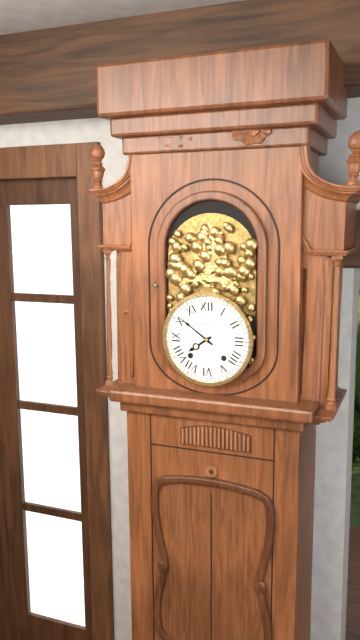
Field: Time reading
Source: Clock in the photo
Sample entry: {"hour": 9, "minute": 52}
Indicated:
{"hour": 7, "minute": 51}
